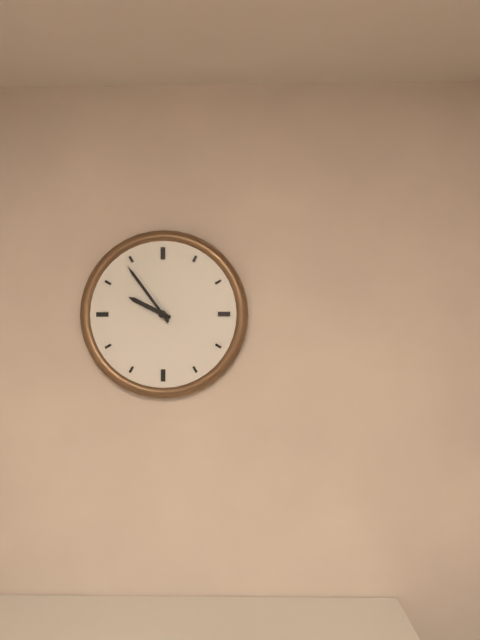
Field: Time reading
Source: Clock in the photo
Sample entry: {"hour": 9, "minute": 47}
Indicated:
{"hour": 9, "minute": 54}
